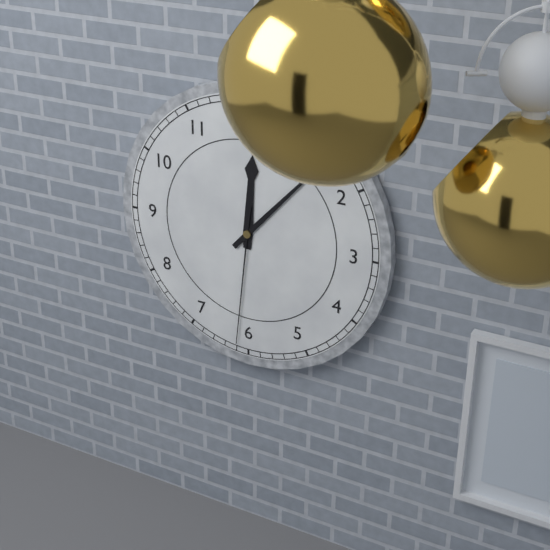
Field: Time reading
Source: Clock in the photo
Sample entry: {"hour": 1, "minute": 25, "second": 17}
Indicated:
{"hour": 12, "minute": 7, "second": 31}
